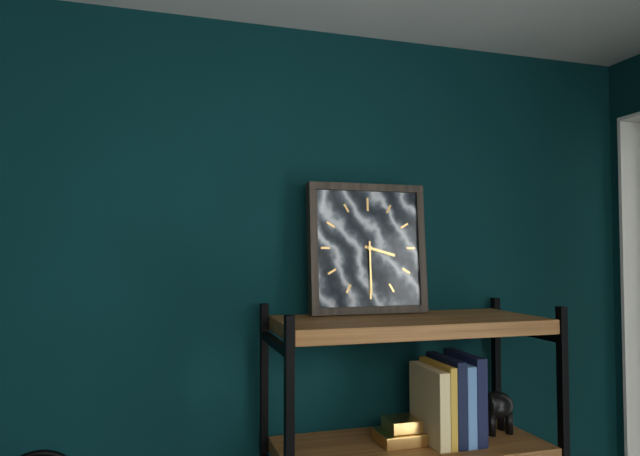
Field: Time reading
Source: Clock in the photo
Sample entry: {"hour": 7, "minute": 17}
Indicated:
{"hour": 3, "minute": 30}
